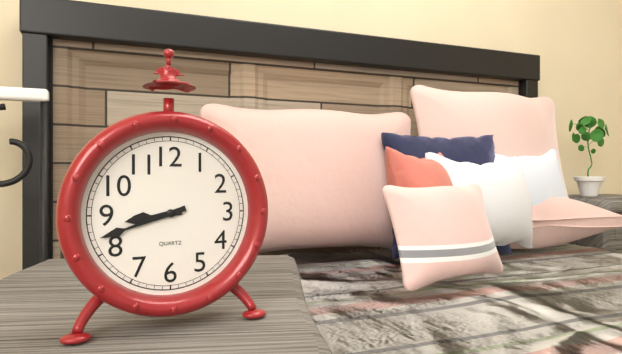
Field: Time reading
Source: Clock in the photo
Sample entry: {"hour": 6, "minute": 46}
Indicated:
{"hour": 8, "minute": 42}
